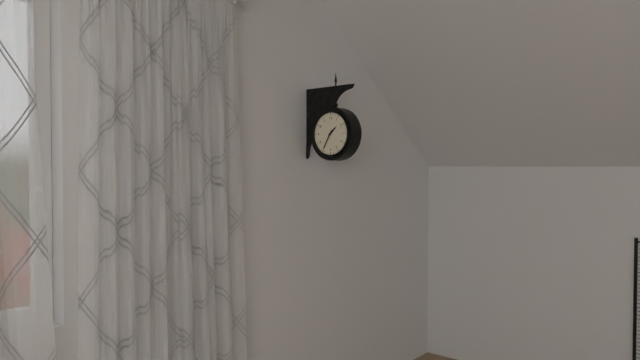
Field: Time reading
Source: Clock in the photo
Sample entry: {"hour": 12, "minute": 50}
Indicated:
{"hour": 1, "minute": 35}
